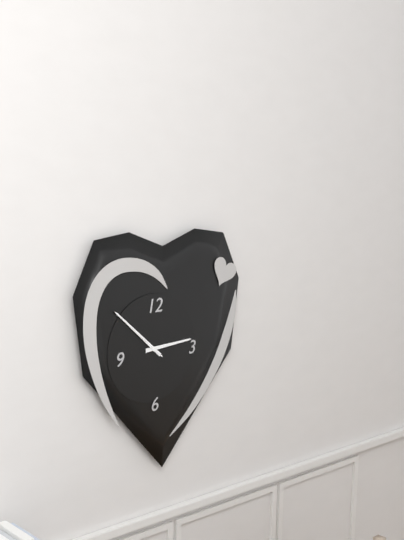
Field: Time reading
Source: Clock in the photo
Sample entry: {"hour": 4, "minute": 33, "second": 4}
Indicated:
{"hour": 2, "minute": 52, "second": 52}
